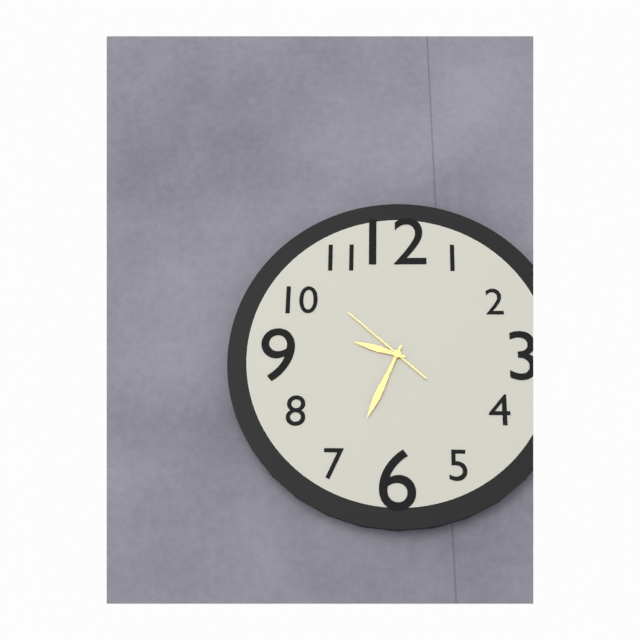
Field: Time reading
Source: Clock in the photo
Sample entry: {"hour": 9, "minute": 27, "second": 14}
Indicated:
{"hour": 9, "minute": 34, "second": 52}
